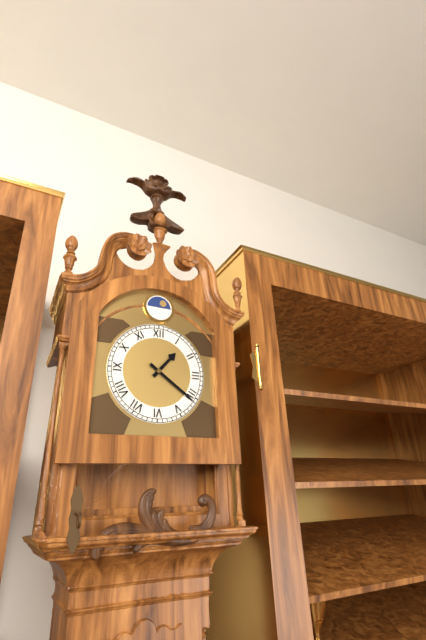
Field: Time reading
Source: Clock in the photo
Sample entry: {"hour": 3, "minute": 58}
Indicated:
{"hour": 1, "minute": 21}
